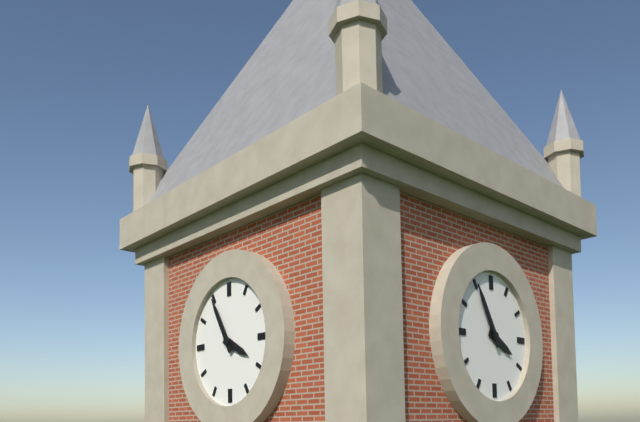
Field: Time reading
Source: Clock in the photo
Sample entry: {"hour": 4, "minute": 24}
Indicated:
{"hour": 3, "minute": 55}
